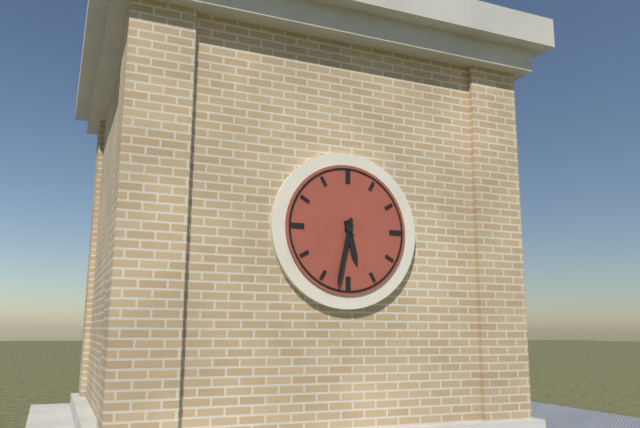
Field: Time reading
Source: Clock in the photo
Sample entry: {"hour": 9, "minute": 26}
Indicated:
{"hour": 5, "minute": 32}
